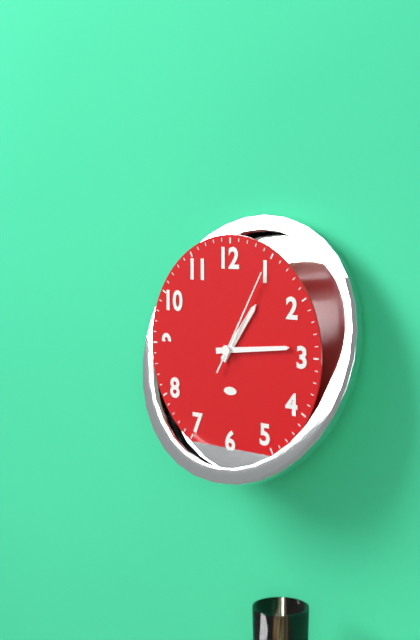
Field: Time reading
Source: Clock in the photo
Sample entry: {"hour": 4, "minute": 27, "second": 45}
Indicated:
{"hour": 1, "minute": 14, "second": 5}
